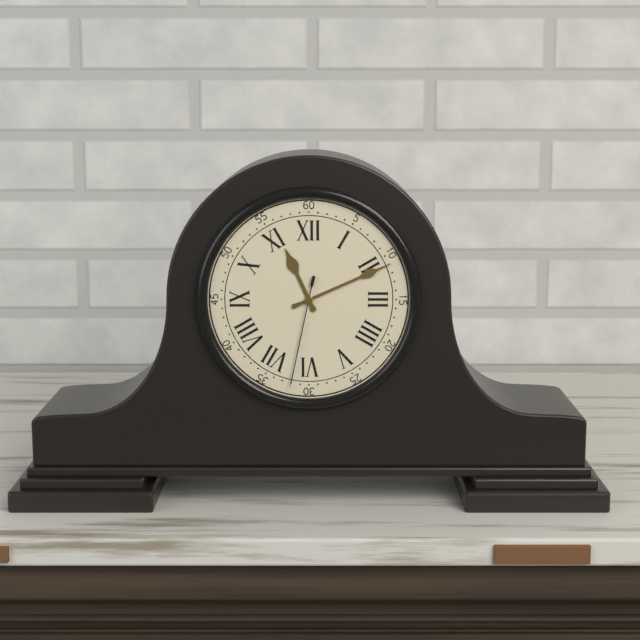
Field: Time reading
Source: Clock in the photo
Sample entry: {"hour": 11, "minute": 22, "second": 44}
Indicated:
{"hour": 11, "minute": 11, "second": 32}
